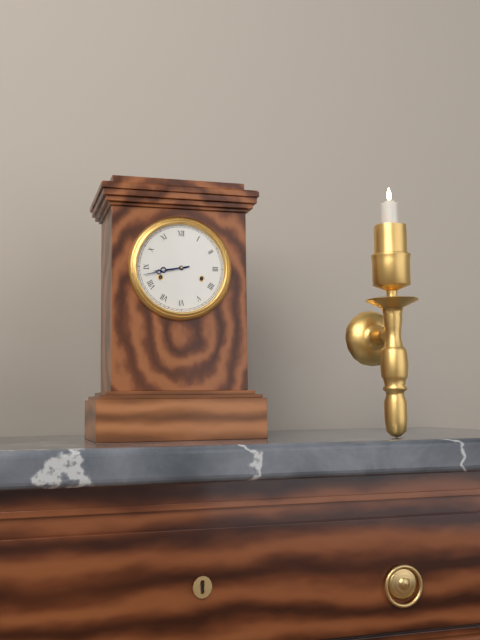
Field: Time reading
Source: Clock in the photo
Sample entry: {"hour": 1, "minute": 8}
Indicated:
{"hour": 8, "minute": 43}
